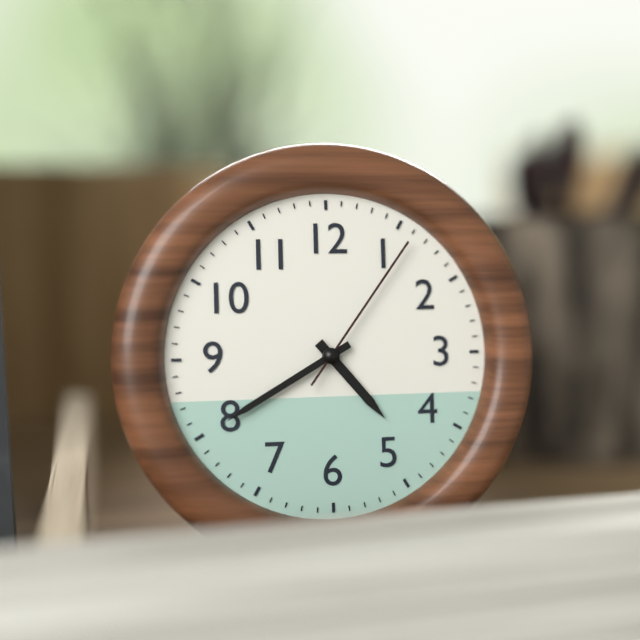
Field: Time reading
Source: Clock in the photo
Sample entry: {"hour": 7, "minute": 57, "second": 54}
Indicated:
{"hour": 4, "minute": 40, "second": 6}
